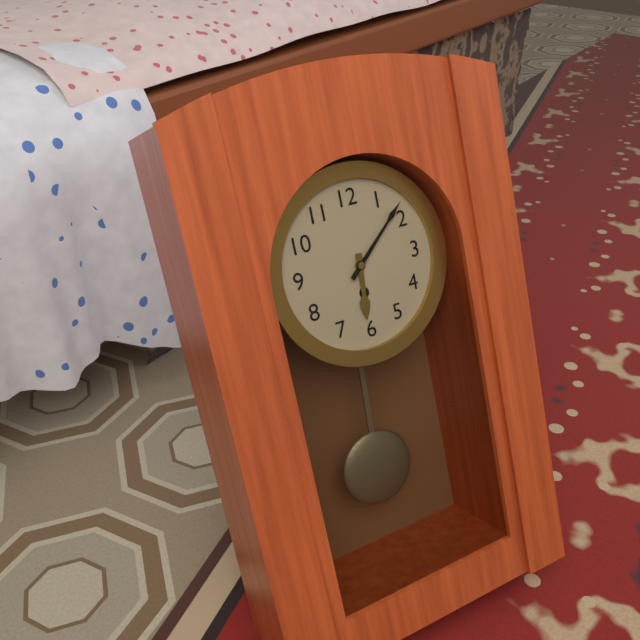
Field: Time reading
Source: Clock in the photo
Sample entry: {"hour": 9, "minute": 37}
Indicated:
{"hour": 6, "minute": 8}
